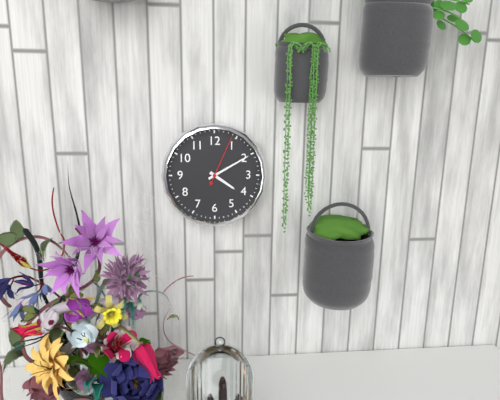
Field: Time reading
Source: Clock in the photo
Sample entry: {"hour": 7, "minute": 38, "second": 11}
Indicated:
{"hour": 4, "minute": 10, "second": 4}
